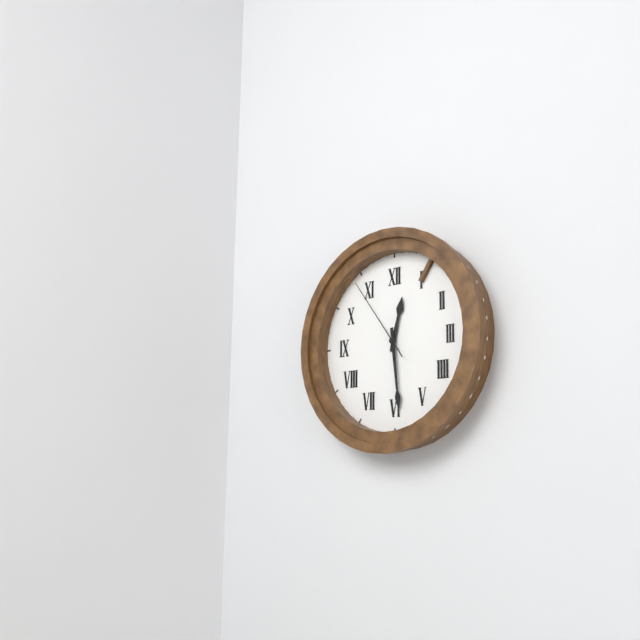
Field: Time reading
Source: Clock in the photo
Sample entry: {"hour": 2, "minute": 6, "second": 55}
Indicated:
{"hour": 12, "minute": 29, "second": 54}
